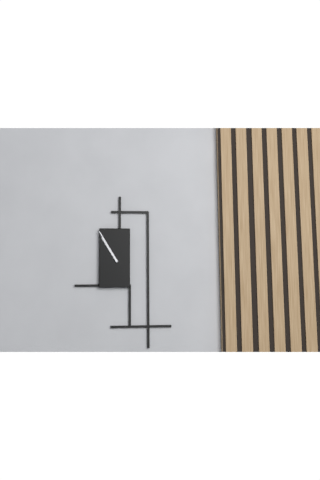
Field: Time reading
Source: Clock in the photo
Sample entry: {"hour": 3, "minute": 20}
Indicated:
{"hour": 10, "minute": 55}
